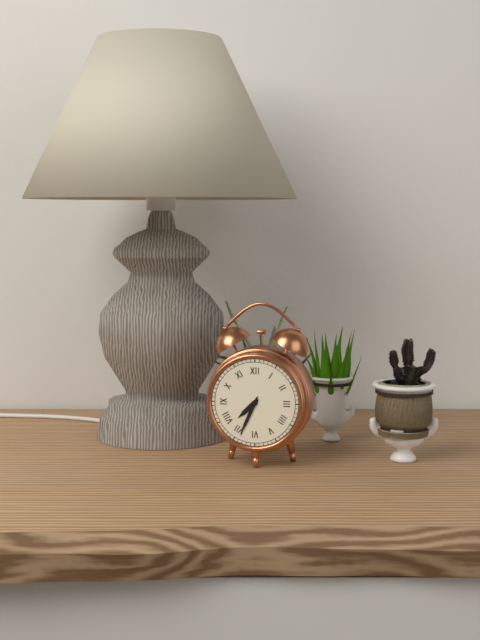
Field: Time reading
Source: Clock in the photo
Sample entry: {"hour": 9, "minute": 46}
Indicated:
{"hour": 7, "minute": 34}
